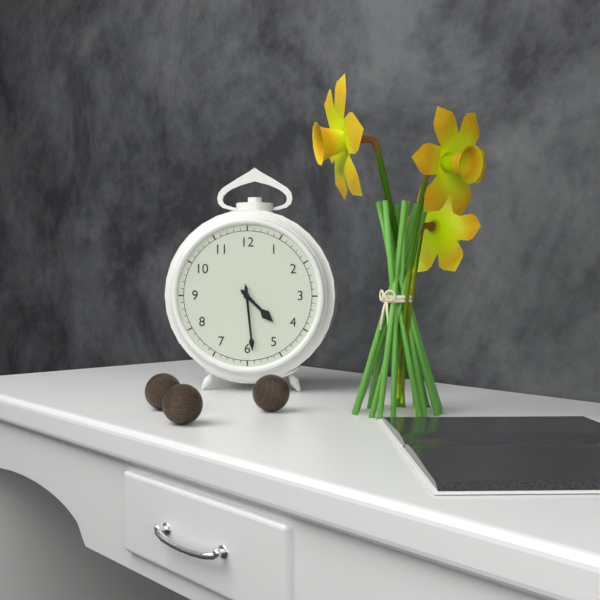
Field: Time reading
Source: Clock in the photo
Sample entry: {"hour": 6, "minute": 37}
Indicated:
{"hour": 4, "minute": 29}
